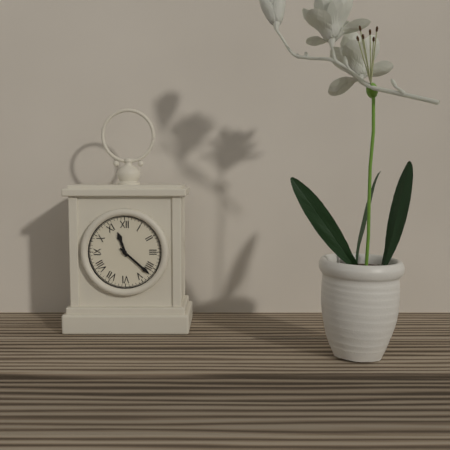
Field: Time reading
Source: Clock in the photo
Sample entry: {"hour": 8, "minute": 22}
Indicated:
{"hour": 11, "minute": 22}
